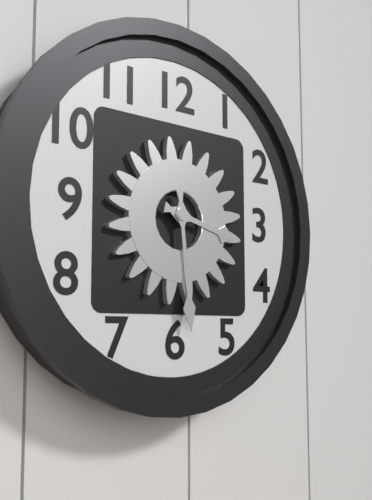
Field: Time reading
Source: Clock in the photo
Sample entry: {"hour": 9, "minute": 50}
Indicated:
{"hour": 3, "minute": 29}
